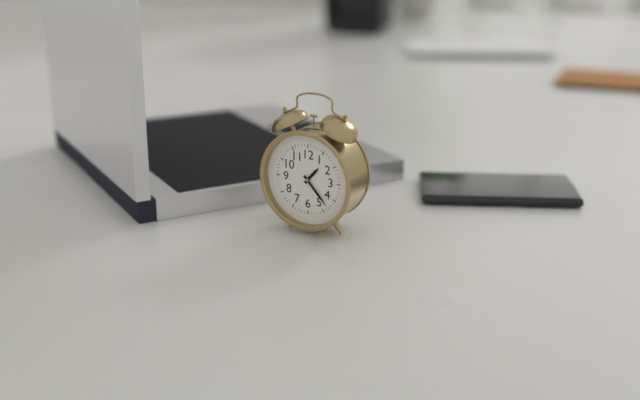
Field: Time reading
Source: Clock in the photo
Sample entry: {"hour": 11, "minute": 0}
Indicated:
{"hour": 1, "minute": 23}
